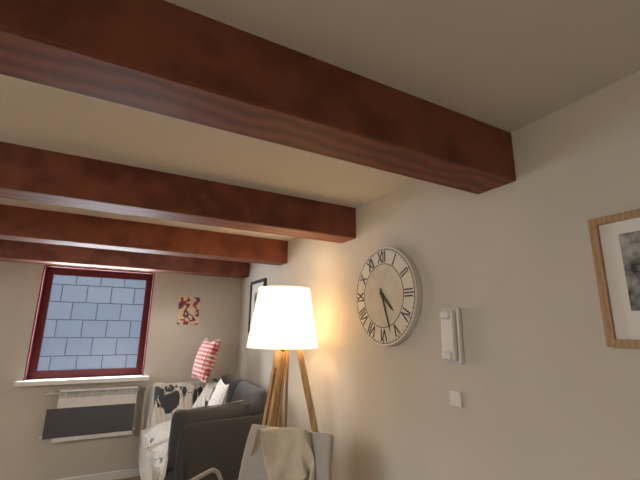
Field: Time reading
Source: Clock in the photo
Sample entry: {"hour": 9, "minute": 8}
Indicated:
{"hour": 4, "minute": 27}
